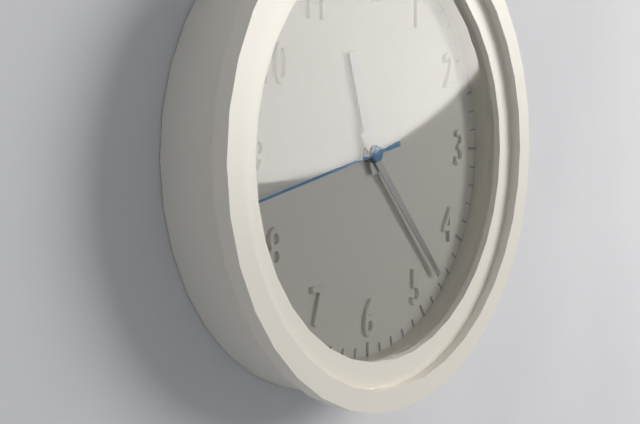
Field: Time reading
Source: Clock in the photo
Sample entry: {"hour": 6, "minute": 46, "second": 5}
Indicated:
{"hour": 11, "minute": 23, "second": 43}
